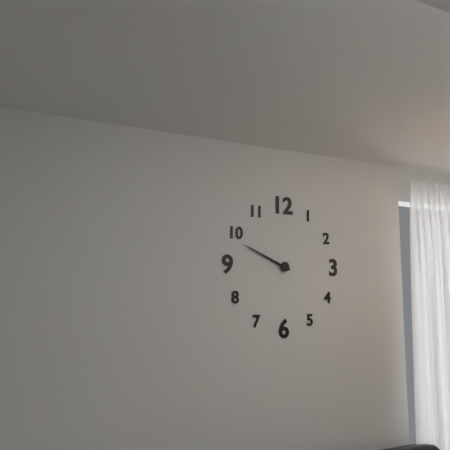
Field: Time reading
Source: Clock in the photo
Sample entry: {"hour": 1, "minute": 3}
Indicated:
{"hour": 9, "minute": 49}
